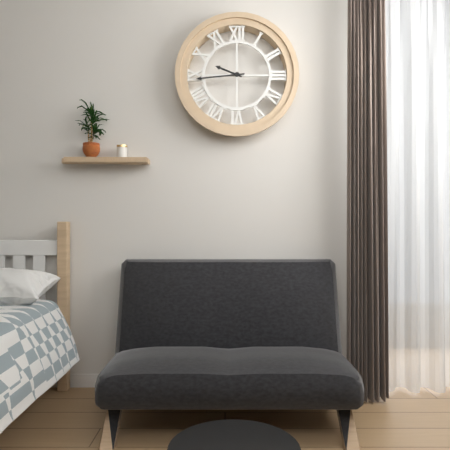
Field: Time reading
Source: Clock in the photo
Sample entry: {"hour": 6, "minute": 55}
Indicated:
{"hour": 9, "minute": 44}
